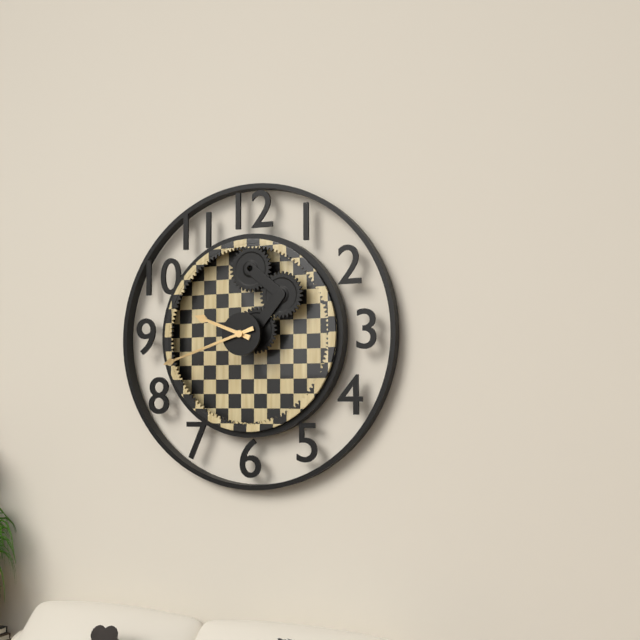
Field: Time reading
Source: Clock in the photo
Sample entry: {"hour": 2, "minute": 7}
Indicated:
{"hour": 9, "minute": 42}
